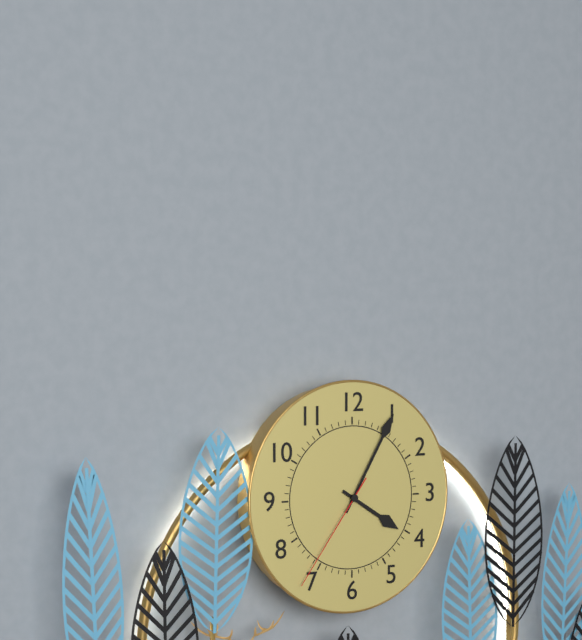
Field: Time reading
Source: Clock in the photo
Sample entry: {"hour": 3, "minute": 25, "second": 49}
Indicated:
{"hour": 4, "minute": 5, "second": 36}
